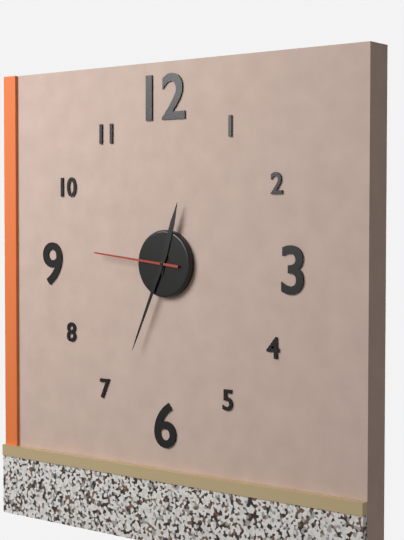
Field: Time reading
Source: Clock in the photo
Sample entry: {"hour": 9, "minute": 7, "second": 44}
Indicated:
{"hour": 12, "minute": 34, "second": 46}
